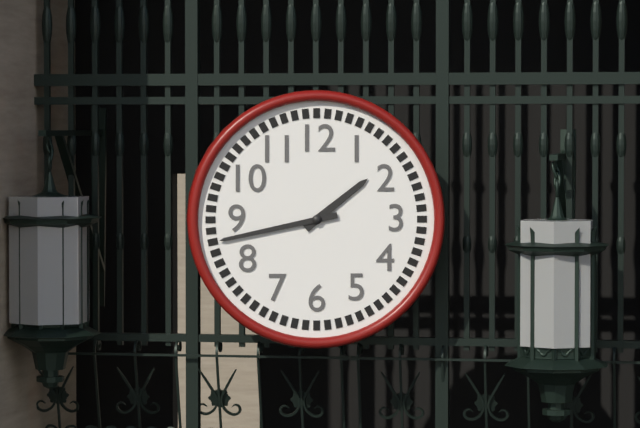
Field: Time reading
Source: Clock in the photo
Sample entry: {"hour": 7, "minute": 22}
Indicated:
{"hour": 1, "minute": 43}
